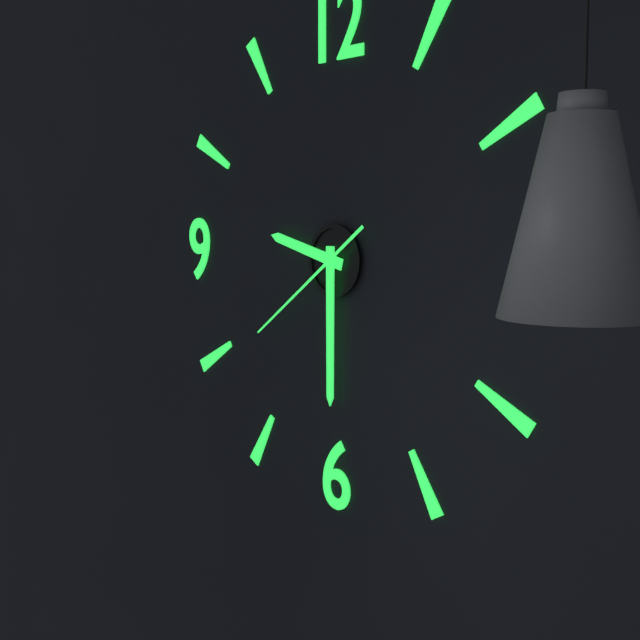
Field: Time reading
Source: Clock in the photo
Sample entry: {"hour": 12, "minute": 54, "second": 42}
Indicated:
{"hour": 9, "minute": 30, "second": 39}
